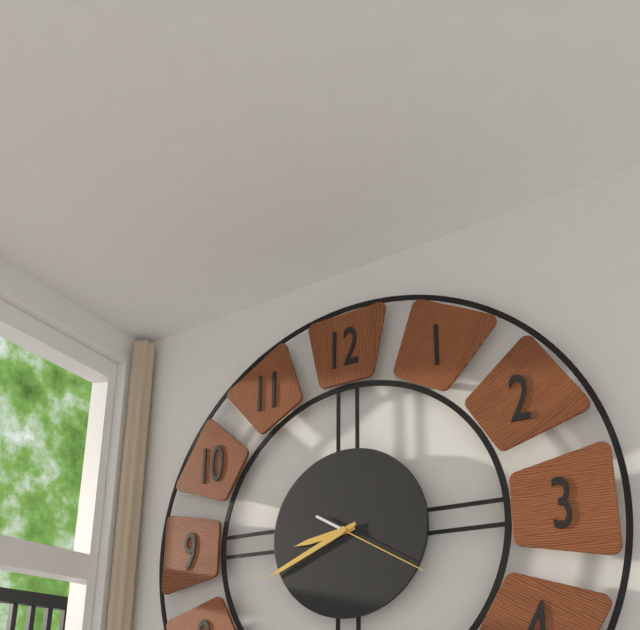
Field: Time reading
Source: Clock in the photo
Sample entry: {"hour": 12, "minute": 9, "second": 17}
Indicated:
{"hour": 8, "minute": 41, "second": 20}
